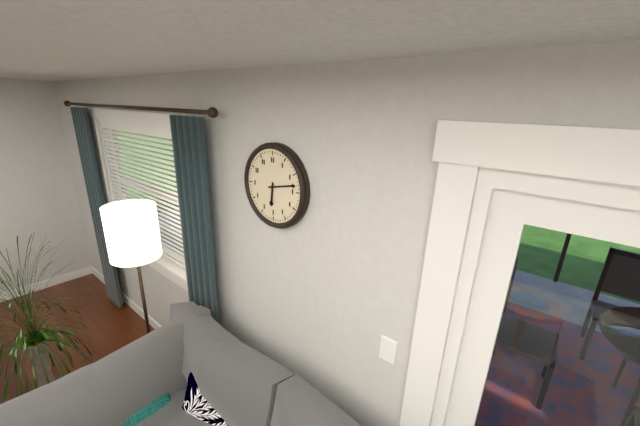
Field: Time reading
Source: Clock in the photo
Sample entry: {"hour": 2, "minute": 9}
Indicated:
{"hour": 6, "minute": 13}
